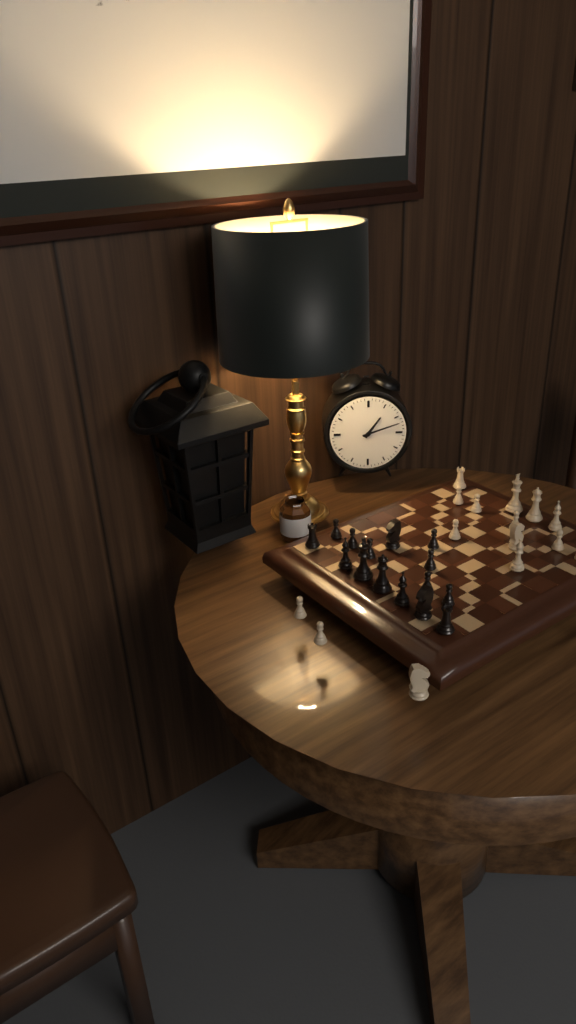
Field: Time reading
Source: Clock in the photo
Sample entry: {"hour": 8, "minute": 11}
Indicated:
{"hour": 1, "minute": 12}
